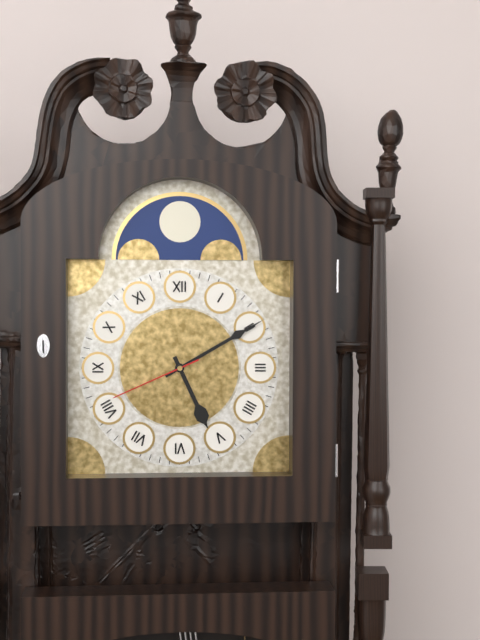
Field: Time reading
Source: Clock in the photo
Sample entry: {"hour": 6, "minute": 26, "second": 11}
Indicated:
{"hour": 5, "minute": 10, "second": 41}
